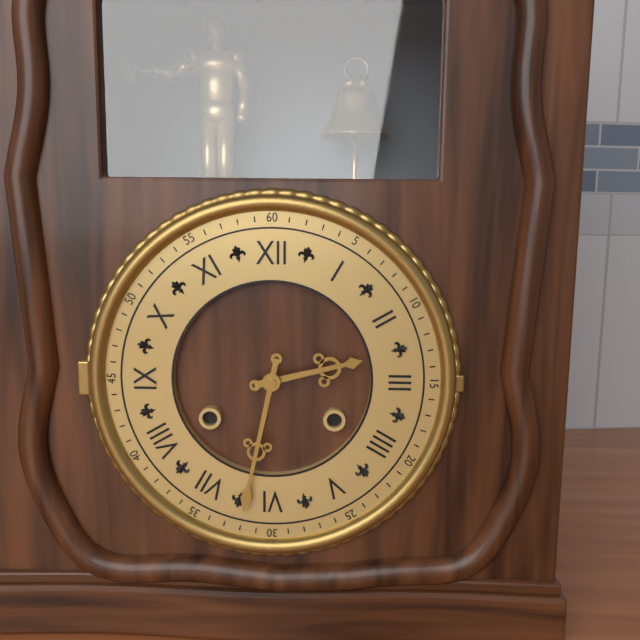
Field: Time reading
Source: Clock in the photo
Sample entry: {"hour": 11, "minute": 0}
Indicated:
{"hour": 2, "minute": 32}
